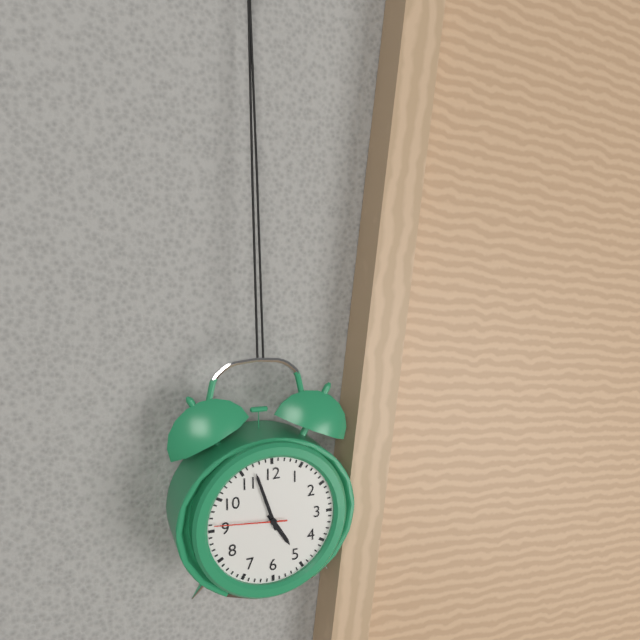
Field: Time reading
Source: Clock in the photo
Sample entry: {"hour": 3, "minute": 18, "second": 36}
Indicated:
{"hour": 4, "minute": 57, "second": 46}
